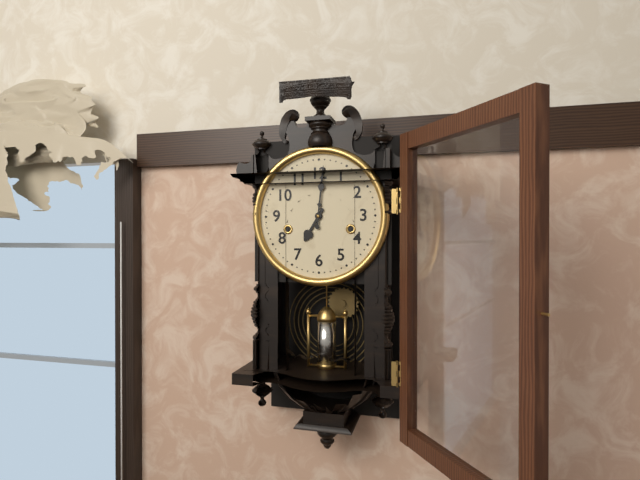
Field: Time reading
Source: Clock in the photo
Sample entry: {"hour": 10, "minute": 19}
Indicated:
{"hour": 7, "minute": 1}
